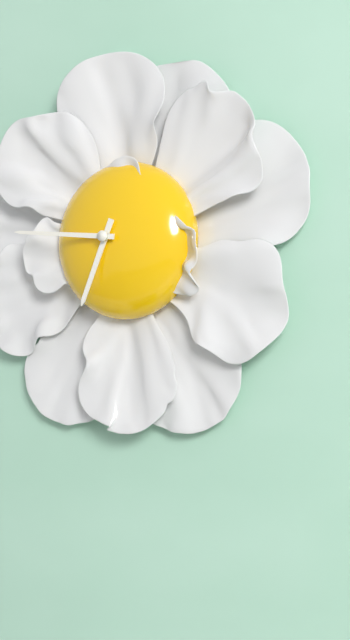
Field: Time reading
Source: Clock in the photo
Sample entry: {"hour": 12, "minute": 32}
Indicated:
{"hour": 6, "minute": 46}
